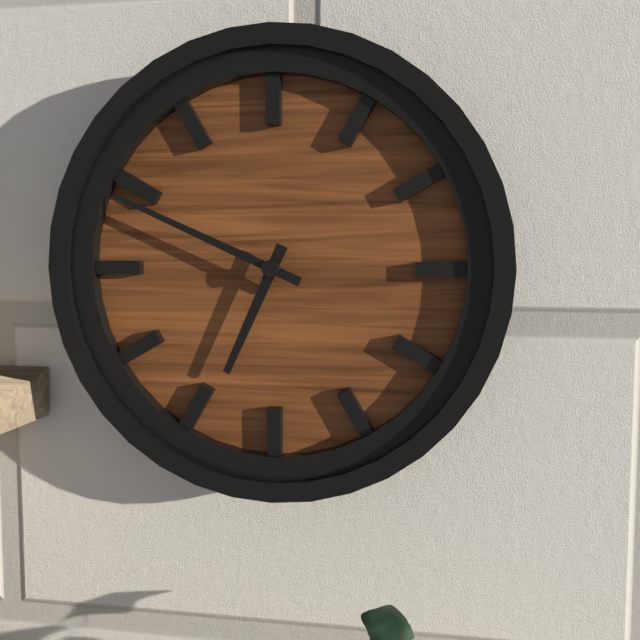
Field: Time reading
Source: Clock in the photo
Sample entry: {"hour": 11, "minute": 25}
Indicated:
{"hour": 6, "minute": 49}
